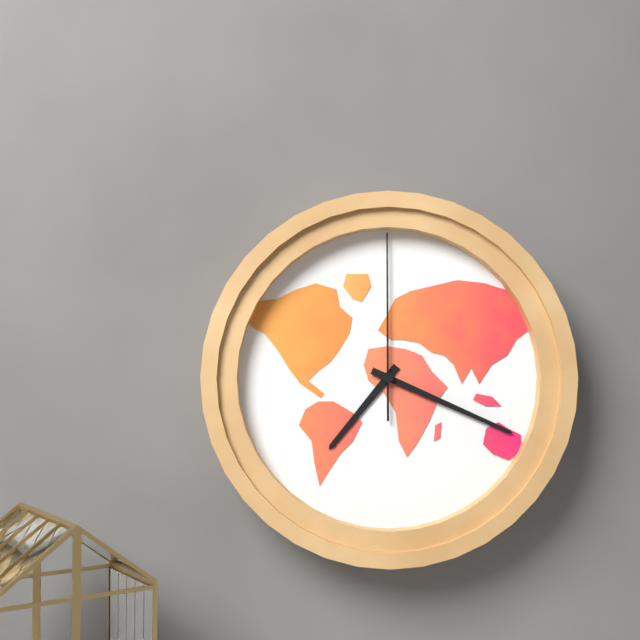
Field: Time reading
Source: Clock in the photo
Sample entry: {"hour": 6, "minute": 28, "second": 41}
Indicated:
{"hour": 7, "minute": 19, "second": 0}
